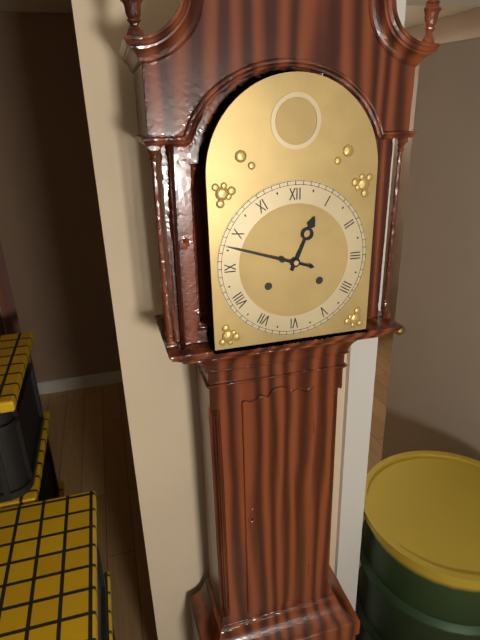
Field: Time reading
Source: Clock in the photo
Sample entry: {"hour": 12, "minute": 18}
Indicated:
{"hour": 12, "minute": 48}
